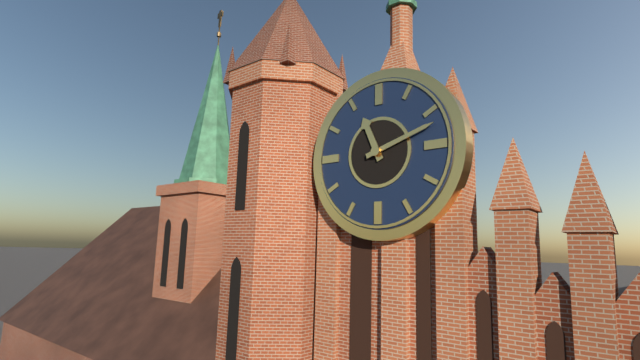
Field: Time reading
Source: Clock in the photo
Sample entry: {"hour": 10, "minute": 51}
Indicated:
{"hour": 11, "minute": 12}
